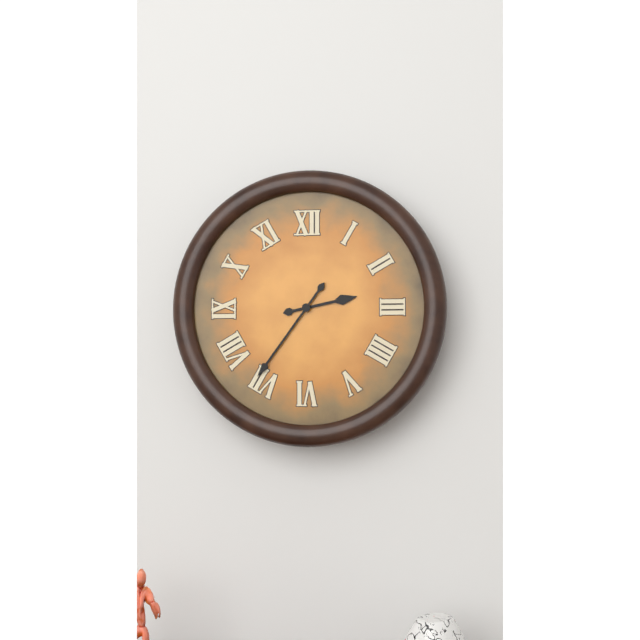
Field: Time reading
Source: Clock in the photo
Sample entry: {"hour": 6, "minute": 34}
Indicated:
{"hour": 2, "minute": 36}
